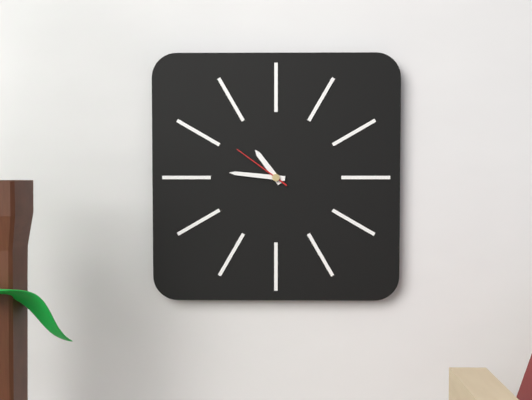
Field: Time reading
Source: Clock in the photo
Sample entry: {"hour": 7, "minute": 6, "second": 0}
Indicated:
{"hour": 10, "minute": 46, "second": 51}
